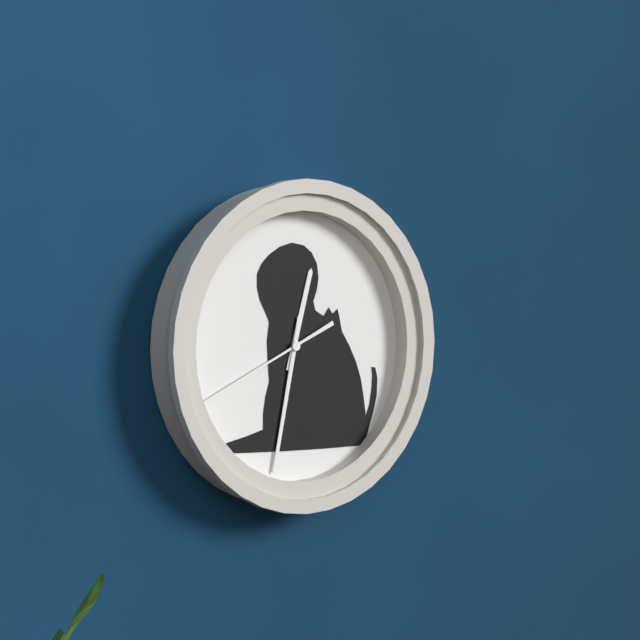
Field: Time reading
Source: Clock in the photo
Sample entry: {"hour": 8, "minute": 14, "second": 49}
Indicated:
{"hour": 12, "minute": 32, "second": 41}
